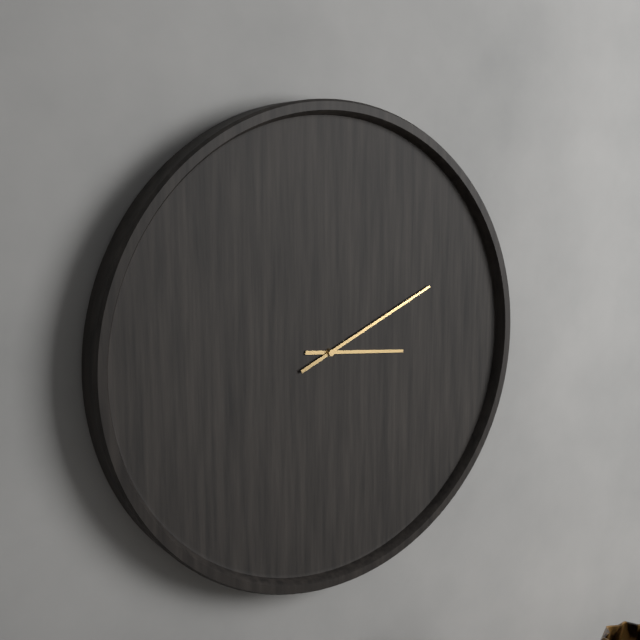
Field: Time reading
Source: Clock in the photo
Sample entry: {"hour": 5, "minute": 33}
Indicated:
{"hour": 3, "minute": 11}
